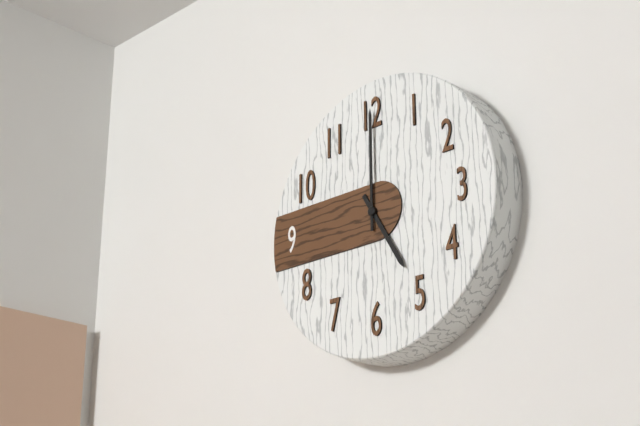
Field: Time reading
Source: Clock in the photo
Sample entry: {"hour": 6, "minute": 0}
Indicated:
{"hour": 5, "minute": 0}
